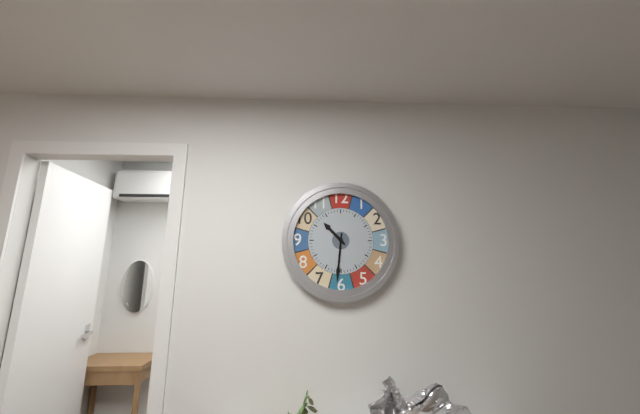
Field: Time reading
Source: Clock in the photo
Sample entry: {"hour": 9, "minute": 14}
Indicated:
{"hour": 10, "minute": 31}
